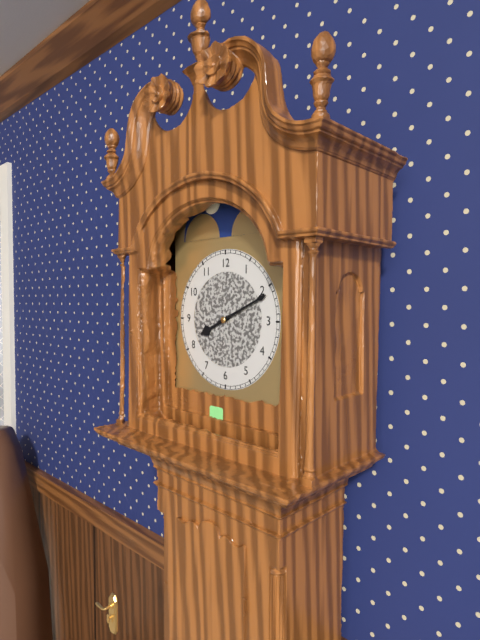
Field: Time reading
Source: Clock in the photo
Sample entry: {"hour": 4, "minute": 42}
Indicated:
{"hour": 8, "minute": 11}
